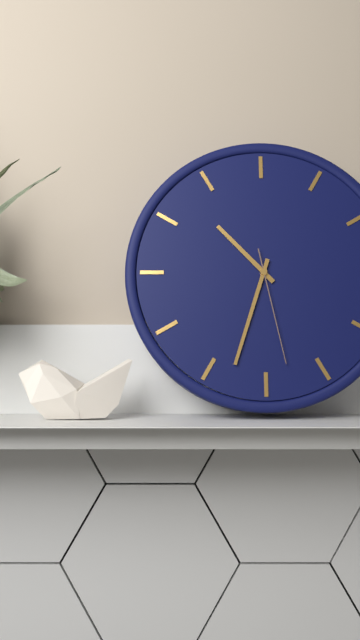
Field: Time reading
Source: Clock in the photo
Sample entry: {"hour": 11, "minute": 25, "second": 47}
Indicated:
{"hour": 10, "minute": 33, "second": 28}
